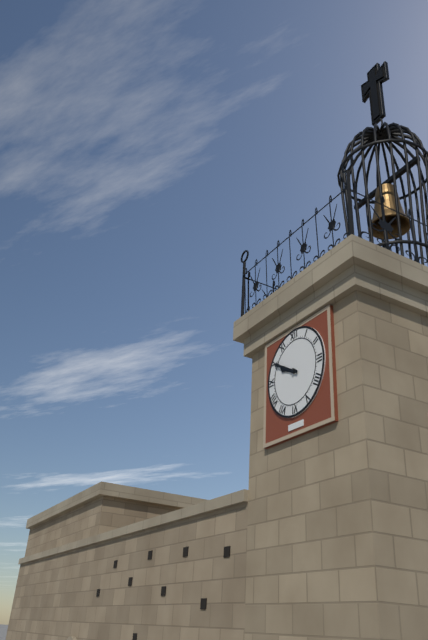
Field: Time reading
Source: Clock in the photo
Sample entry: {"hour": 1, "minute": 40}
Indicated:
{"hour": 9, "minute": 50}
